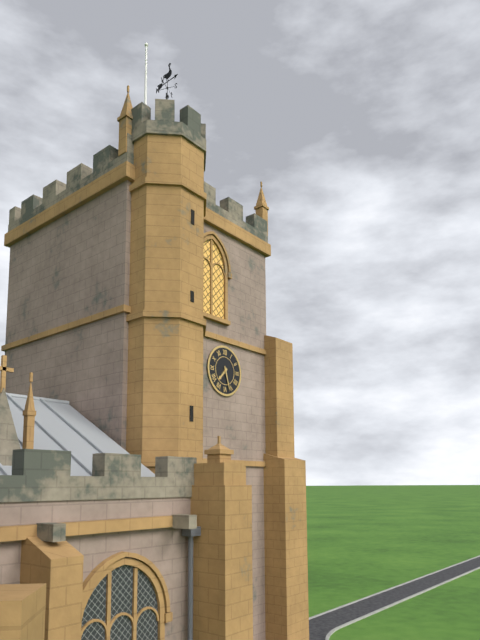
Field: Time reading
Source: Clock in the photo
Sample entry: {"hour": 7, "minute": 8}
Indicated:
{"hour": 7, "minute": 27}
